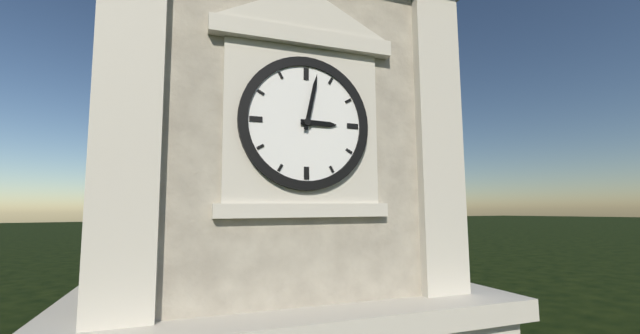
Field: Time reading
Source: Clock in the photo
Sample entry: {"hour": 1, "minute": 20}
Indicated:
{"hour": 3, "minute": 2}
